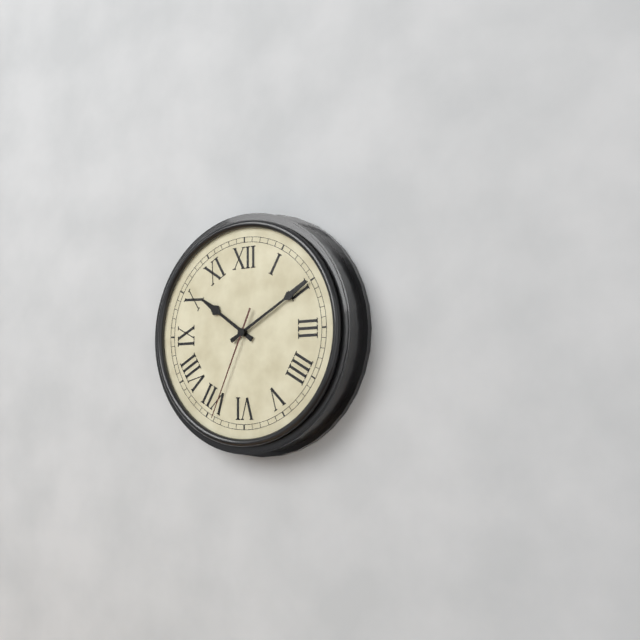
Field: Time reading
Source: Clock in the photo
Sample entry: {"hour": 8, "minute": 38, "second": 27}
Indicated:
{"hour": 10, "minute": 10, "second": 34}
